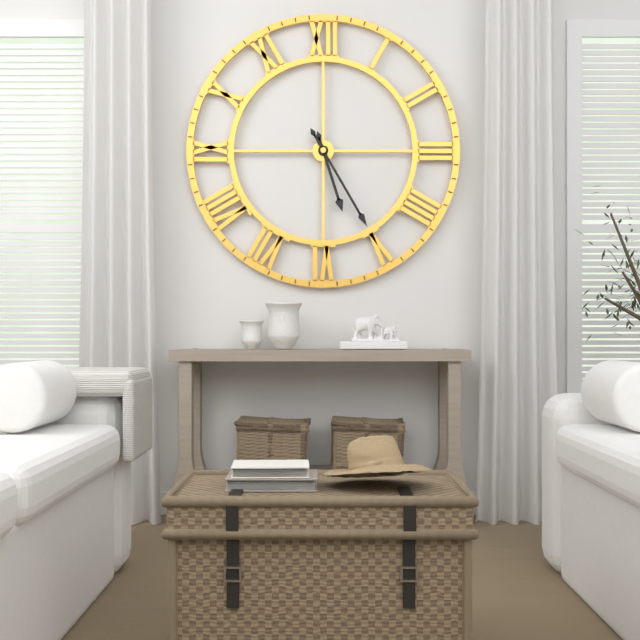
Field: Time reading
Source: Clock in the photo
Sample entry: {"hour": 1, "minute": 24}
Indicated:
{"hour": 5, "minute": 25}
